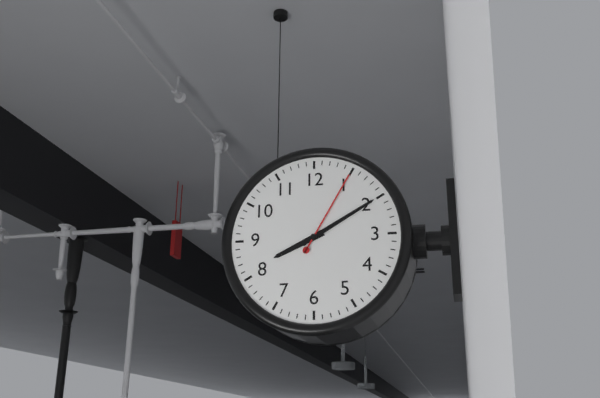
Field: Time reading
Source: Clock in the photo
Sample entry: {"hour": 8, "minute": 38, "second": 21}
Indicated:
{"hour": 8, "minute": 10, "second": 5}
